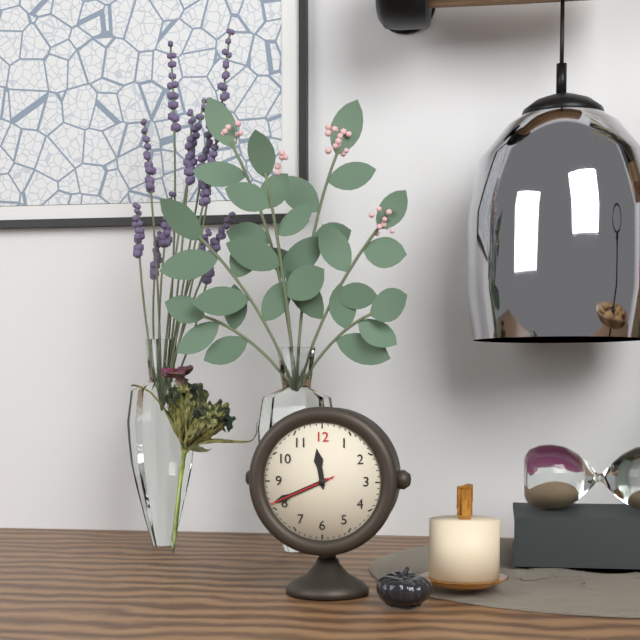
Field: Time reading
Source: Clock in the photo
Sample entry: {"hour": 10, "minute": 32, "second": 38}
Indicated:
{"hour": 11, "minute": 41, "second": 41}
